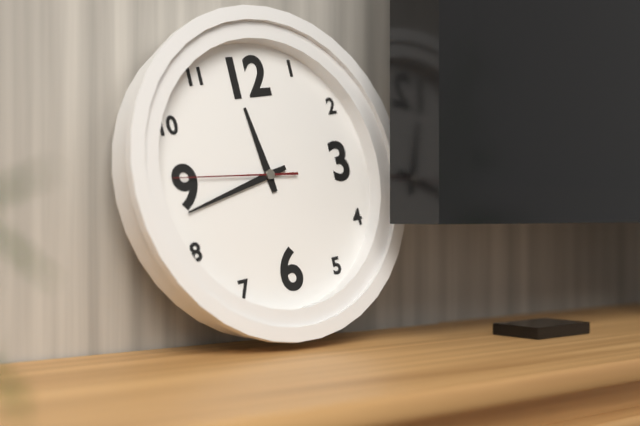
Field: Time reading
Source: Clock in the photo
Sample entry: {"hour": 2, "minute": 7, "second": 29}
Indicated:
{"hour": 11, "minute": 43, "second": 46}
